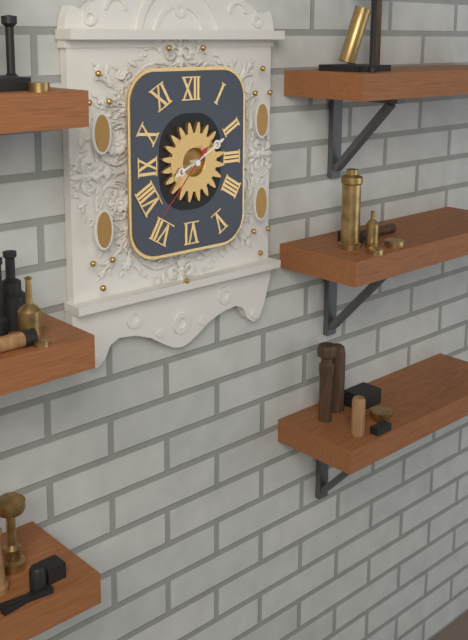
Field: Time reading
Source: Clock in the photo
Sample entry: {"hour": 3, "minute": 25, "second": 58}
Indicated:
{"hour": 8, "minute": 10, "second": 37}
